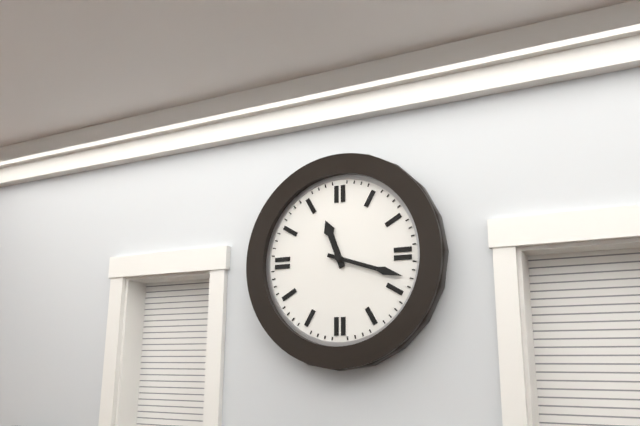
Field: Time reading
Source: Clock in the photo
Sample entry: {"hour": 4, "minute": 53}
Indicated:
{"hour": 11, "minute": 18}
